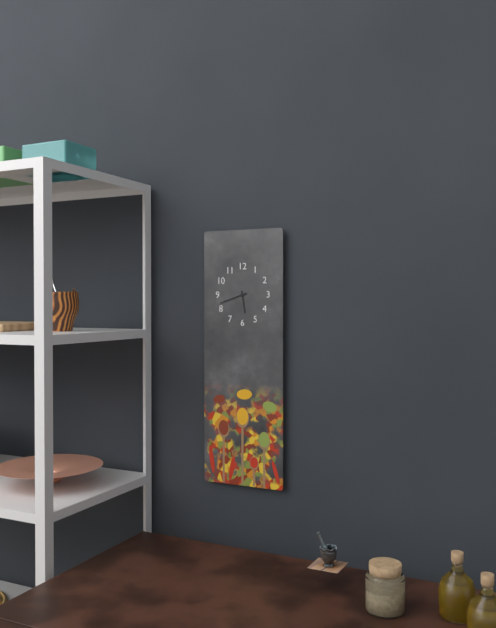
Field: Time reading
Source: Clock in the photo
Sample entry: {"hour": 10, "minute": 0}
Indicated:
{"hour": 5, "minute": 42}
